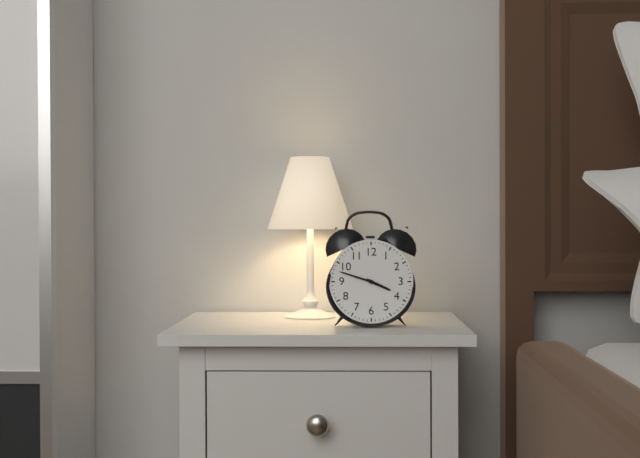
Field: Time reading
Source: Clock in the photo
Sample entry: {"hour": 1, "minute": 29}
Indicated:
{"hour": 3, "minute": 48}
